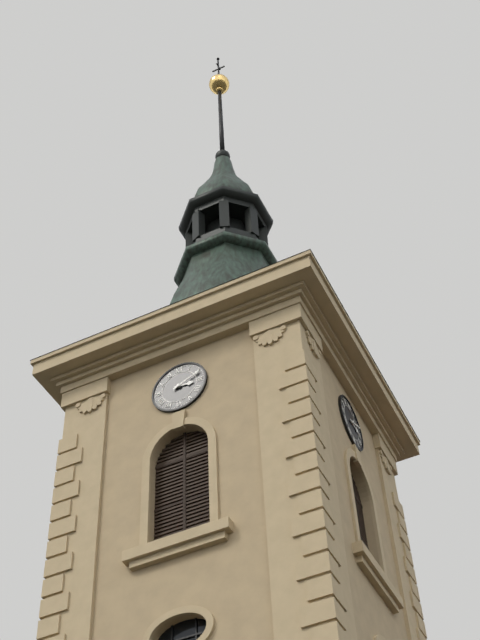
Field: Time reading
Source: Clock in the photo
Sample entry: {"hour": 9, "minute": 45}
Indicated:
{"hour": 3, "minute": 11}
